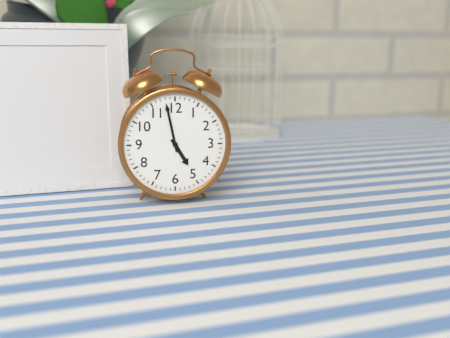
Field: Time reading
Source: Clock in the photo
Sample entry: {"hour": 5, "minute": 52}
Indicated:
{"hour": 4, "minute": 58}
